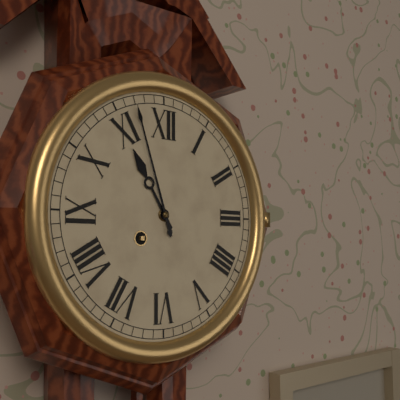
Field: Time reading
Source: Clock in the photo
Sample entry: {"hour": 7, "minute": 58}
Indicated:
{"hour": 10, "minute": 57}
